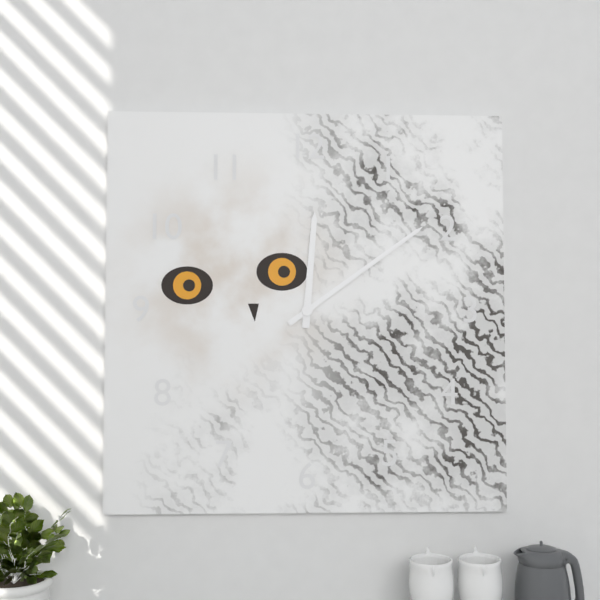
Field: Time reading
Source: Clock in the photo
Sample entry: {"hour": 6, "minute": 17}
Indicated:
{"hour": 12, "minute": 9}
